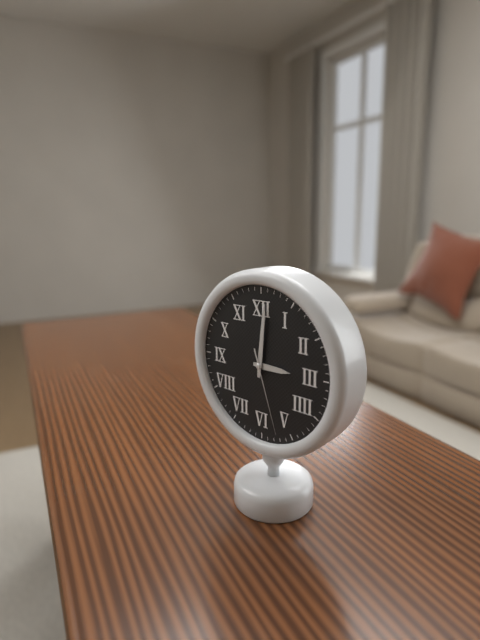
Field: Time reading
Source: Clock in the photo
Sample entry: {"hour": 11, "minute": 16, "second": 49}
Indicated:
{"hour": 3, "minute": 1, "second": 27}
